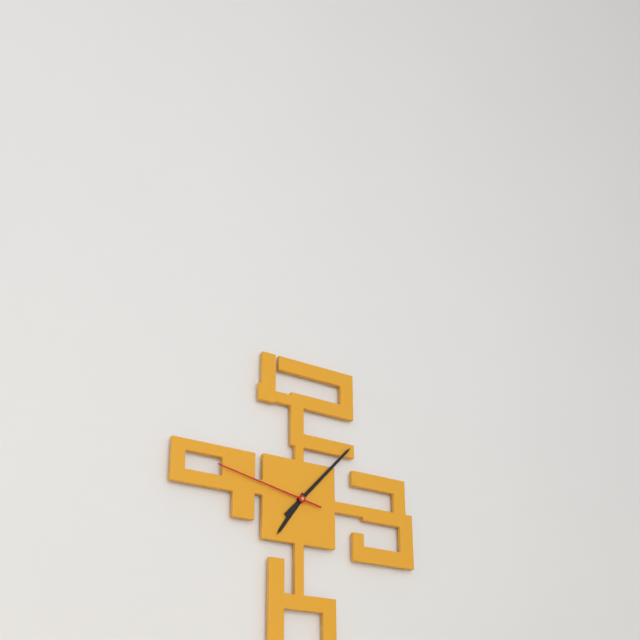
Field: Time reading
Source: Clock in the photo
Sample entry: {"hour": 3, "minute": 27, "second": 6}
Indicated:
{"hour": 7, "minute": 7, "second": 47}
